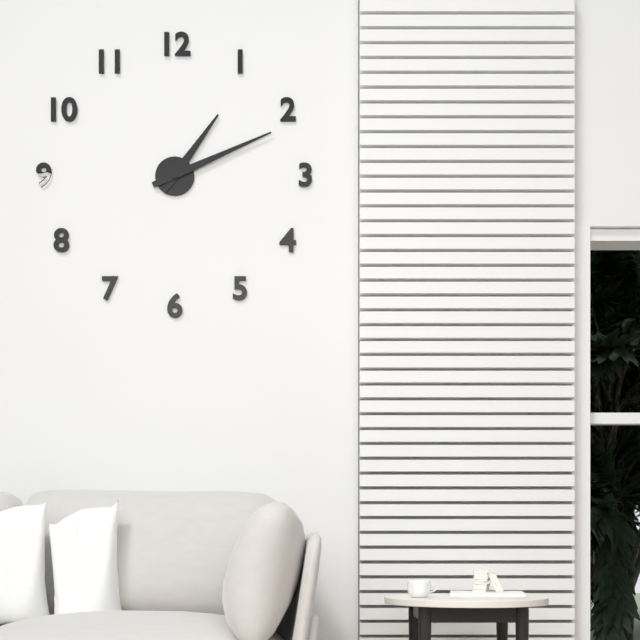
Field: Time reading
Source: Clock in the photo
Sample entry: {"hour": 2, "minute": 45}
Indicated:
{"hour": 1, "minute": 11}
